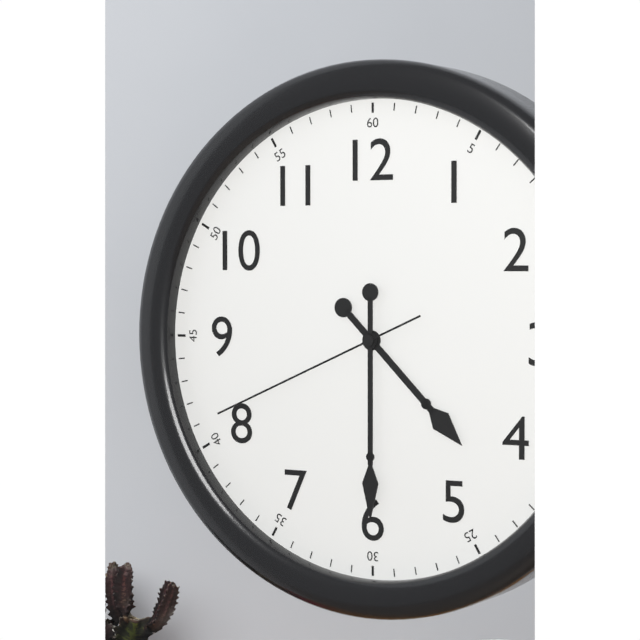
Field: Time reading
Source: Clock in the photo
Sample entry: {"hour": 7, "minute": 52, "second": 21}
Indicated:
{"hour": 4, "minute": 30, "second": 41}
